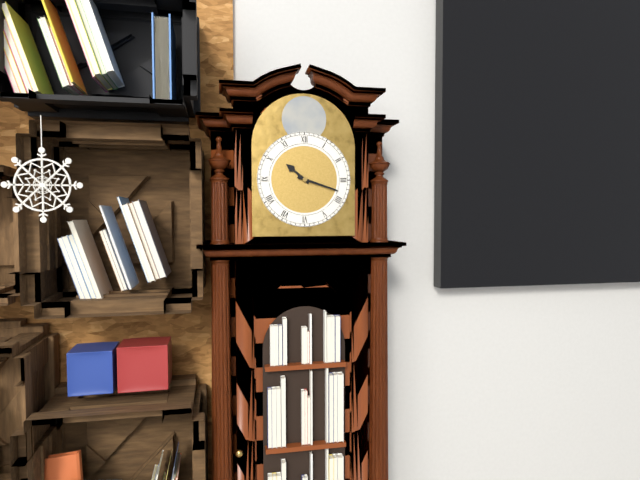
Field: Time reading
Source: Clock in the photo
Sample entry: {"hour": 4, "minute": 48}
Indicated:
{"hour": 10, "minute": 18}
